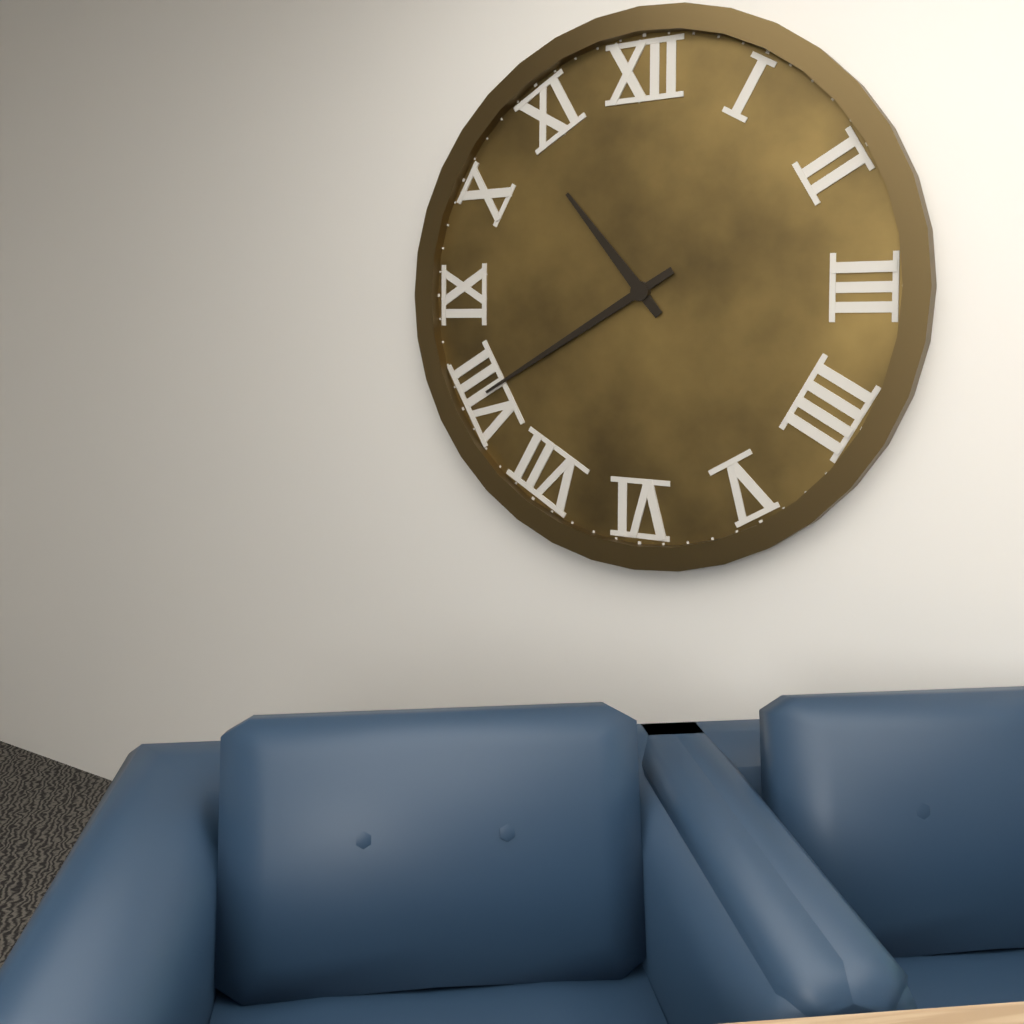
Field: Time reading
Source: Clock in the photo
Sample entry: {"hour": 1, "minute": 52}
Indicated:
{"hour": 10, "minute": 40}
